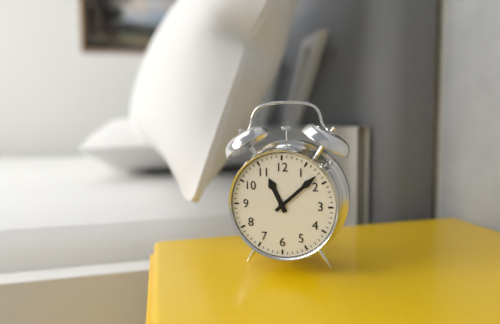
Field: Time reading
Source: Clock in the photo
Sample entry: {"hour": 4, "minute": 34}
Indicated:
{"hour": 11, "minute": 8}
